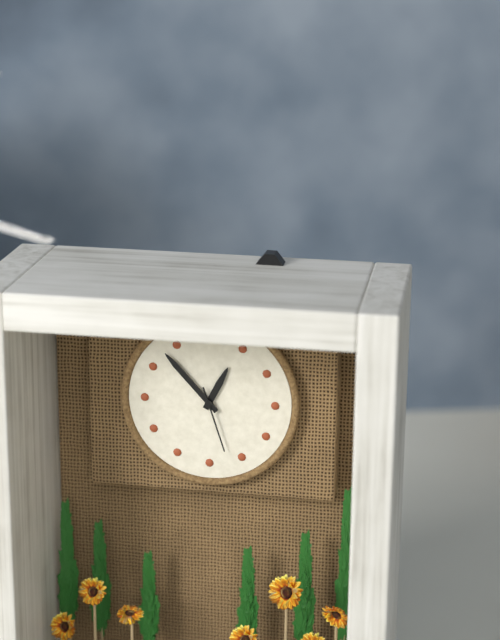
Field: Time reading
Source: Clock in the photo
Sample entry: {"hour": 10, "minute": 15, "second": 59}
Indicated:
{"hour": 12, "minute": 53, "second": 27}
